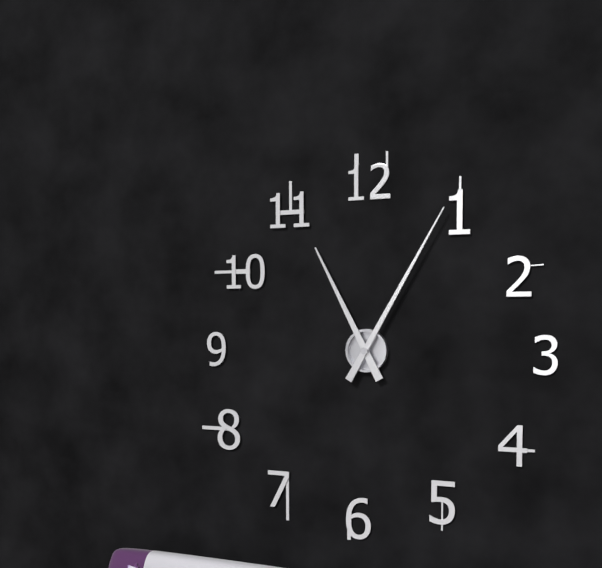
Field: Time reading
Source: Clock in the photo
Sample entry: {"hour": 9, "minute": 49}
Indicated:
{"hour": 11, "minute": 5}
